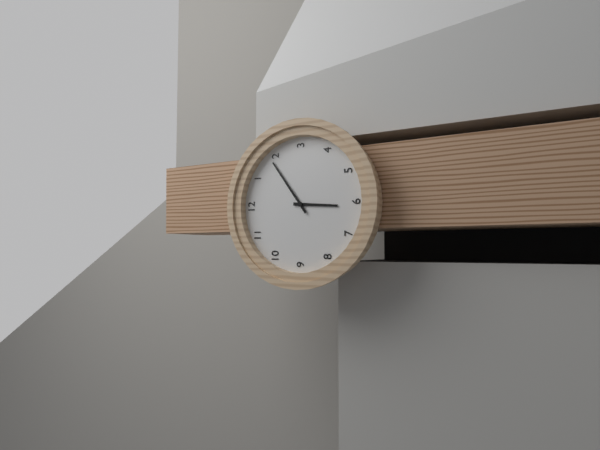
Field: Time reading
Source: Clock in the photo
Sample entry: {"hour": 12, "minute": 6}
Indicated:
{"hour": 6, "minute": 9}
